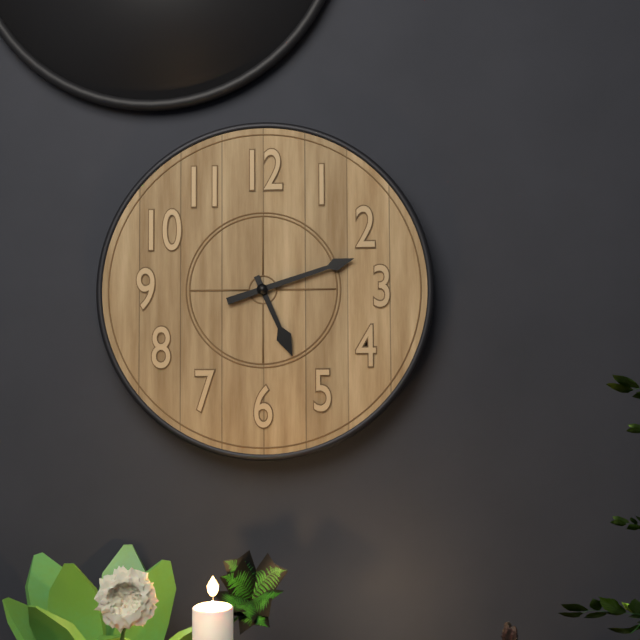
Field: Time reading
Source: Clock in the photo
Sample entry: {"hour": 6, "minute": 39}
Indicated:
{"hour": 5, "minute": 12}
